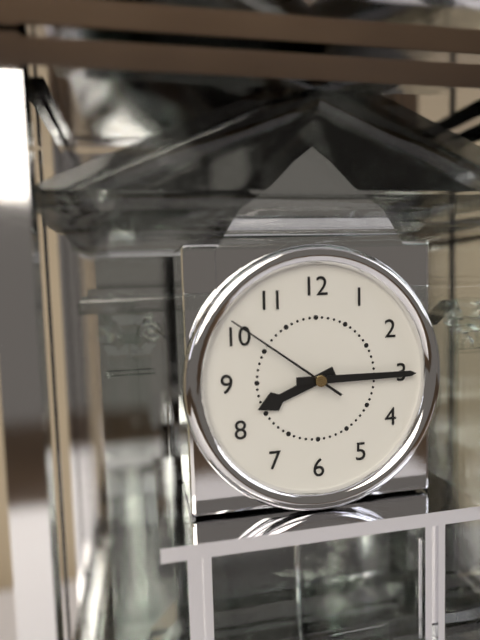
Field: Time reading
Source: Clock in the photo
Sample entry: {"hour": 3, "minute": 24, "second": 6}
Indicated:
{"hour": 8, "minute": 15, "second": 51}
